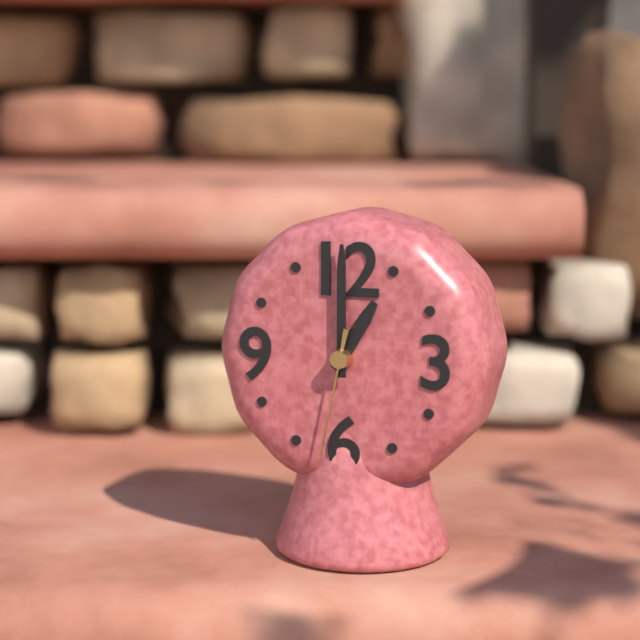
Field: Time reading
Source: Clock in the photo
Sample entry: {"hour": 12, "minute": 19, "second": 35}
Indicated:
{"hour": 1, "minute": 0, "second": 32}
